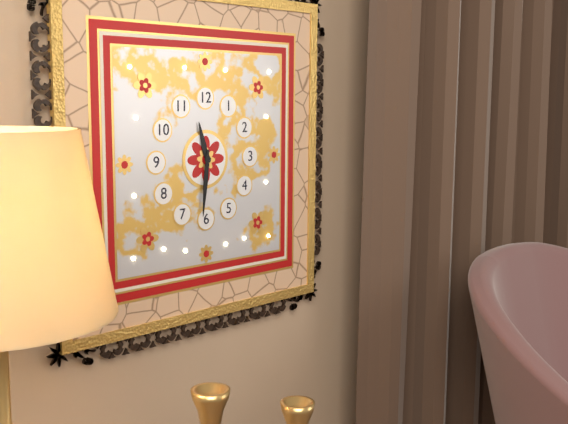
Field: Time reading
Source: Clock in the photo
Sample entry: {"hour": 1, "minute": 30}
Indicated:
{"hour": 11, "minute": 31}
